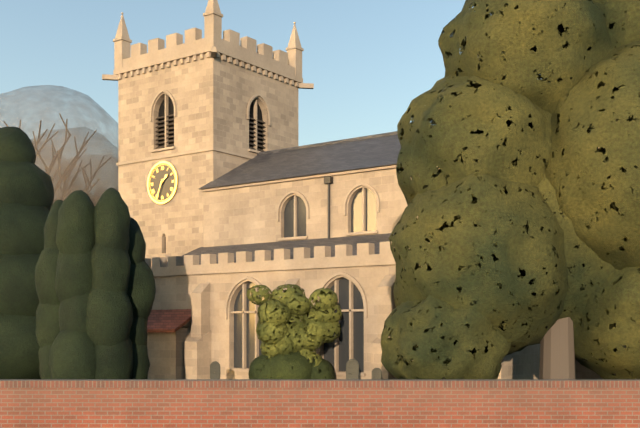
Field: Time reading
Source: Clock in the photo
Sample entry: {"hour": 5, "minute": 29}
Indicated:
{"hour": 1, "minute": 34}
